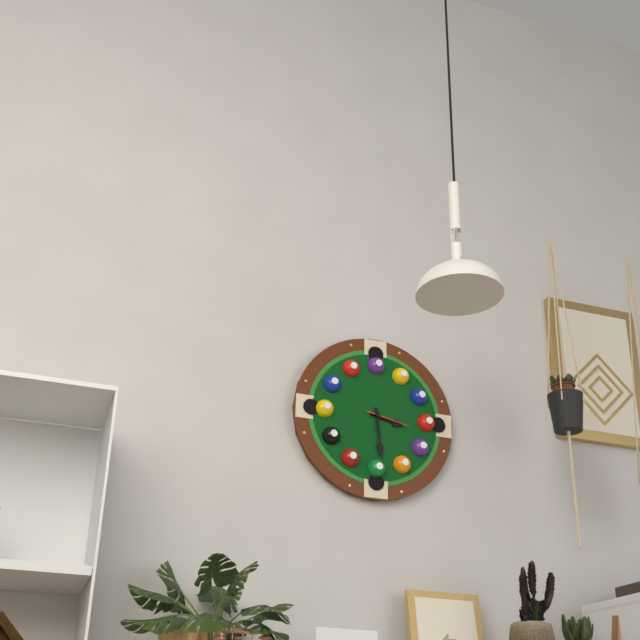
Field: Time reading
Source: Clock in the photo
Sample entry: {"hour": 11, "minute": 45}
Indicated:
{"hour": 3, "minute": 29}
